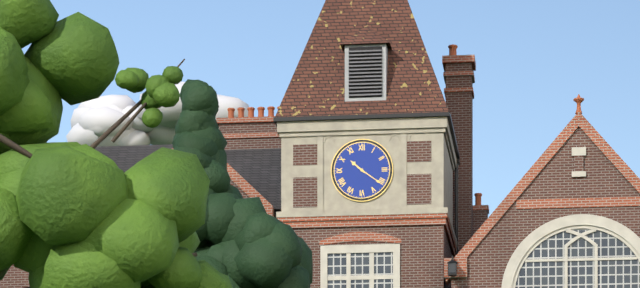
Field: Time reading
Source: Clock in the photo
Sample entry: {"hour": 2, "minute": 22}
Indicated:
{"hour": 10, "minute": 21}
